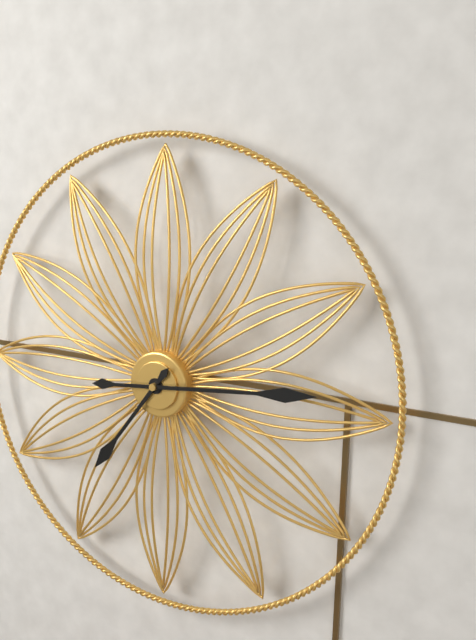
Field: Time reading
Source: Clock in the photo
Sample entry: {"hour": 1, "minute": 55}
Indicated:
{"hour": 7, "minute": 14}
